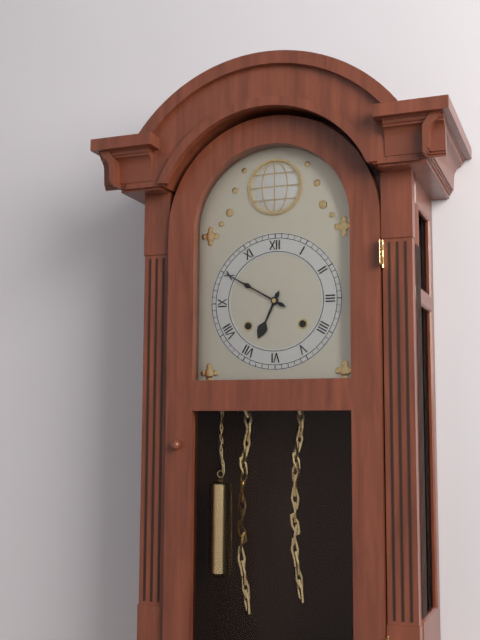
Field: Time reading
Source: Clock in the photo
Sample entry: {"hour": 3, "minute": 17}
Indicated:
{"hour": 6, "minute": 50}
